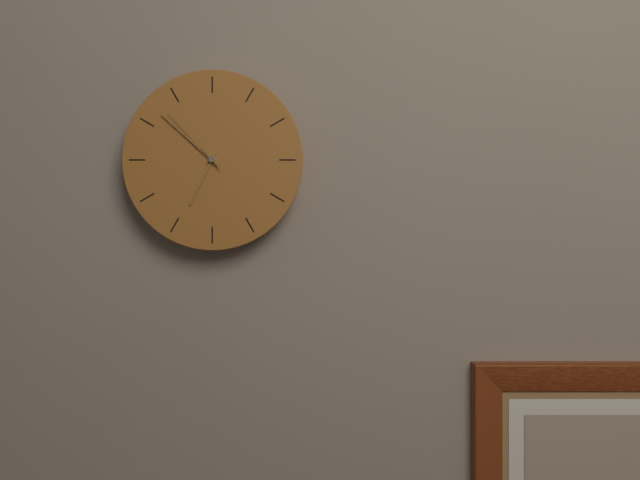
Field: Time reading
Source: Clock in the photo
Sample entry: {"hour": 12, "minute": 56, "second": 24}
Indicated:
{"hour": 6, "minute": 52, "second": 53}
